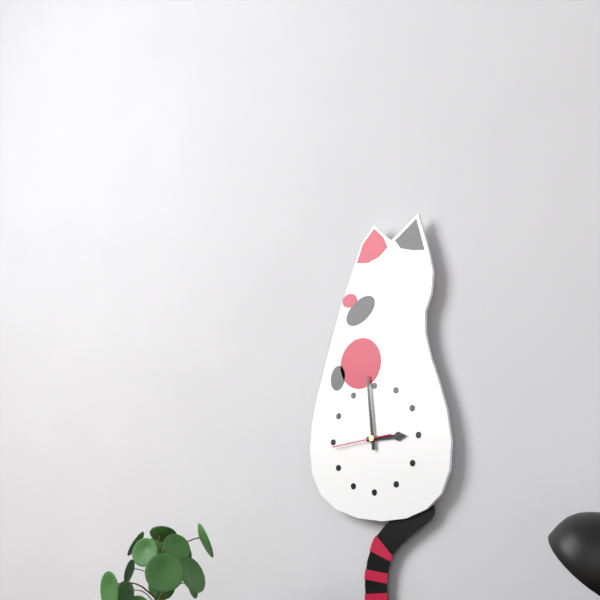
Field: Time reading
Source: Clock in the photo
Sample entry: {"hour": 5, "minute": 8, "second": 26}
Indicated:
{"hour": 2, "minute": 59, "second": 44}
